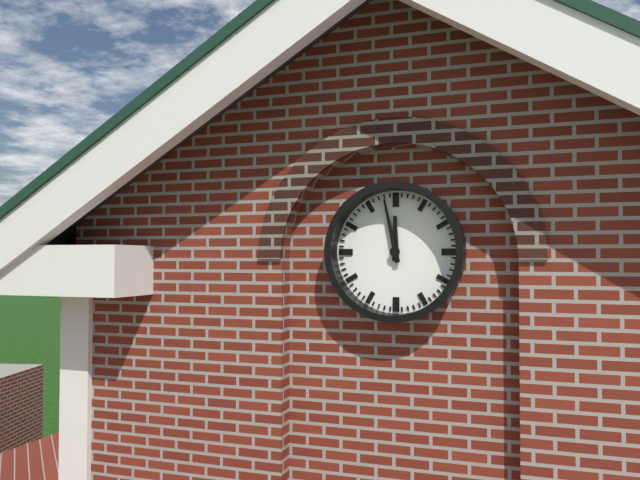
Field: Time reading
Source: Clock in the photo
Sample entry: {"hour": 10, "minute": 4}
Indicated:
{"hour": 11, "minute": 58}
